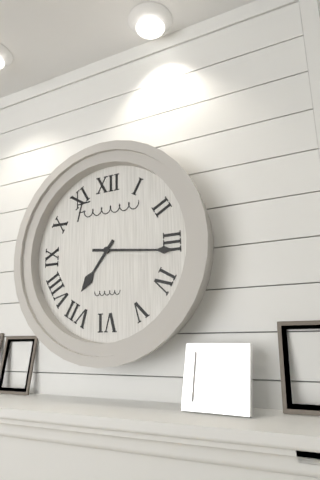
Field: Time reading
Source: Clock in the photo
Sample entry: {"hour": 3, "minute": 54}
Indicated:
{"hour": 7, "minute": 16}
